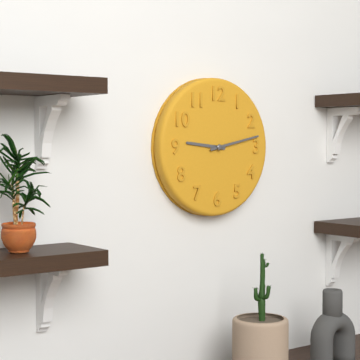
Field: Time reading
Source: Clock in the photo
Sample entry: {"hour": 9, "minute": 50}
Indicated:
{"hour": 9, "minute": 13}
